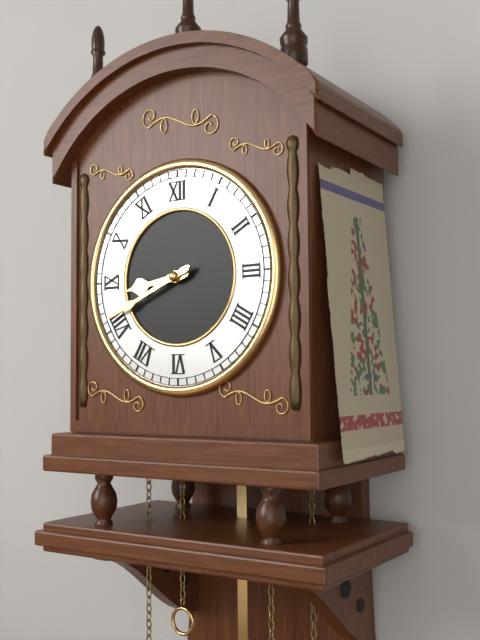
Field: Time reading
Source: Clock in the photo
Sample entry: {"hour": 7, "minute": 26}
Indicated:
{"hour": 8, "minute": 41}
